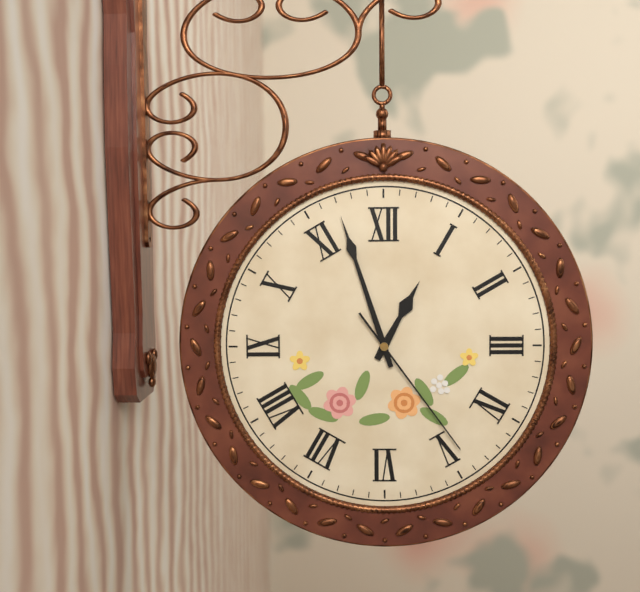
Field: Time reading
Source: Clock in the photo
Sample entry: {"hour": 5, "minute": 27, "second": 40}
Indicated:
{"hour": 12, "minute": 57, "second": 24}
